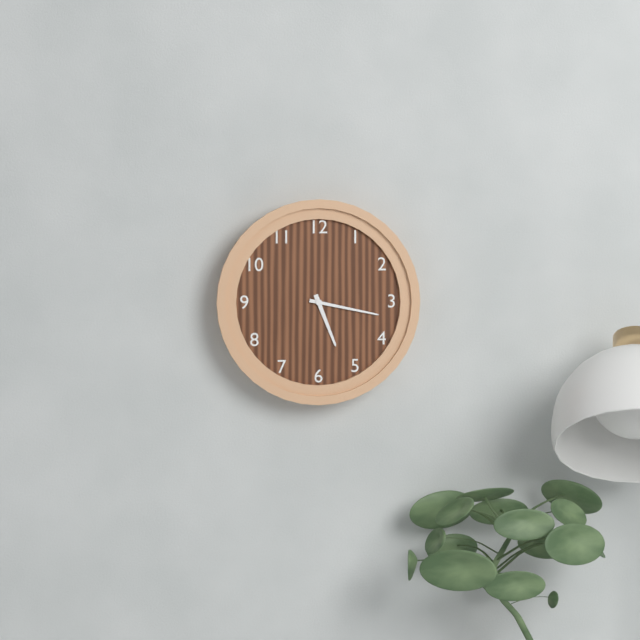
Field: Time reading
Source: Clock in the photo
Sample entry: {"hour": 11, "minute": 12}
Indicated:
{"hour": 5, "minute": 17}
